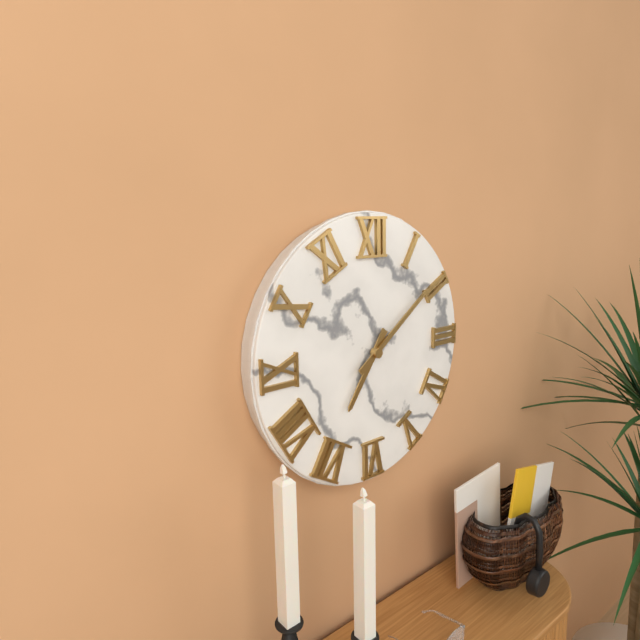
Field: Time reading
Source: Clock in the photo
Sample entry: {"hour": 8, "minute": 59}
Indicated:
{"hour": 7, "minute": 9}
